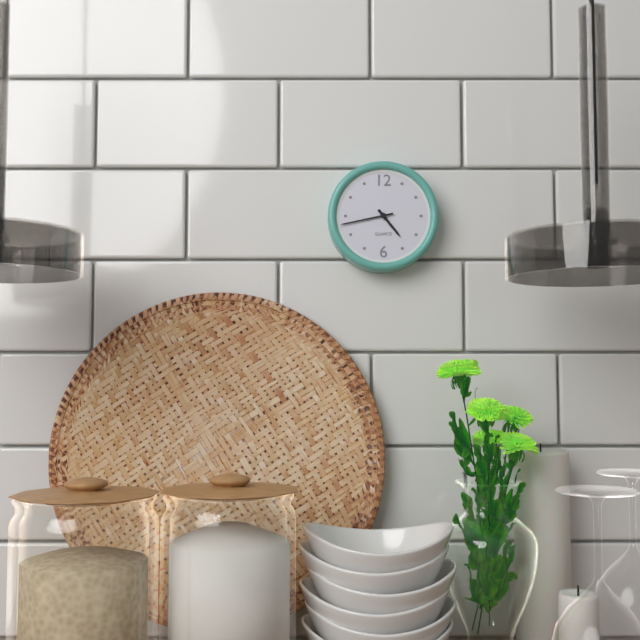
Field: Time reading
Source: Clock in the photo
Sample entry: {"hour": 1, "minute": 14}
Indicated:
{"hour": 4, "minute": 43}
